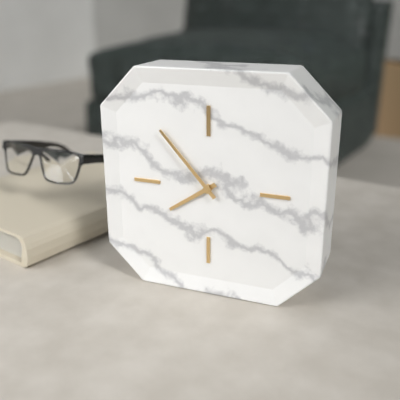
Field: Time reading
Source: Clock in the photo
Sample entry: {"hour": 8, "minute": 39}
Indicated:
{"hour": 7, "minute": 53}
